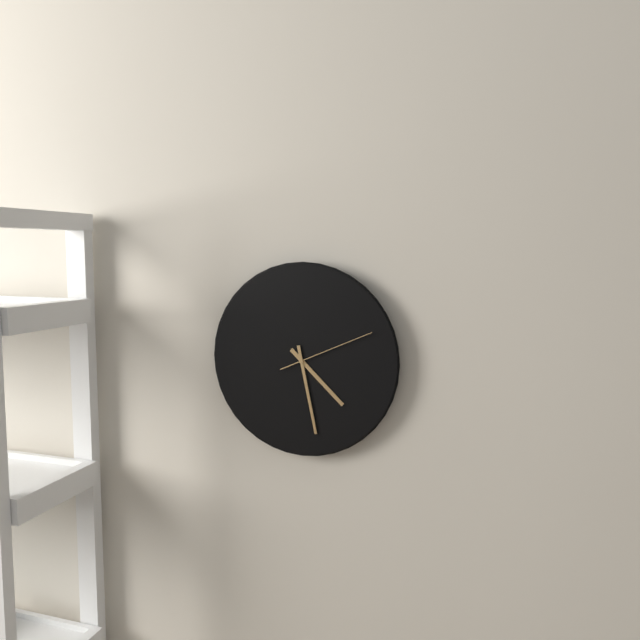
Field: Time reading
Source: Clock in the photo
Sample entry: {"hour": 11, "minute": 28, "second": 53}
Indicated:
{"hour": 4, "minute": 28, "second": 11}
